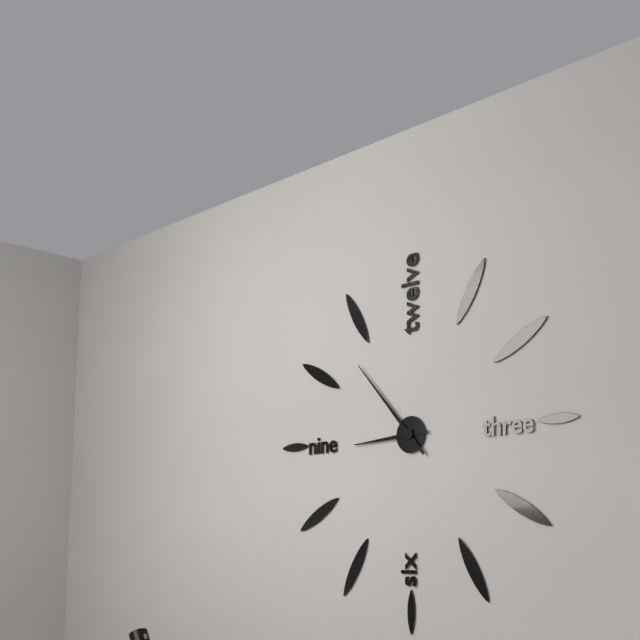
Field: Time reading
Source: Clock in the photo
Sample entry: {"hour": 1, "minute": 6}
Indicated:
{"hour": 8, "minute": 53}
